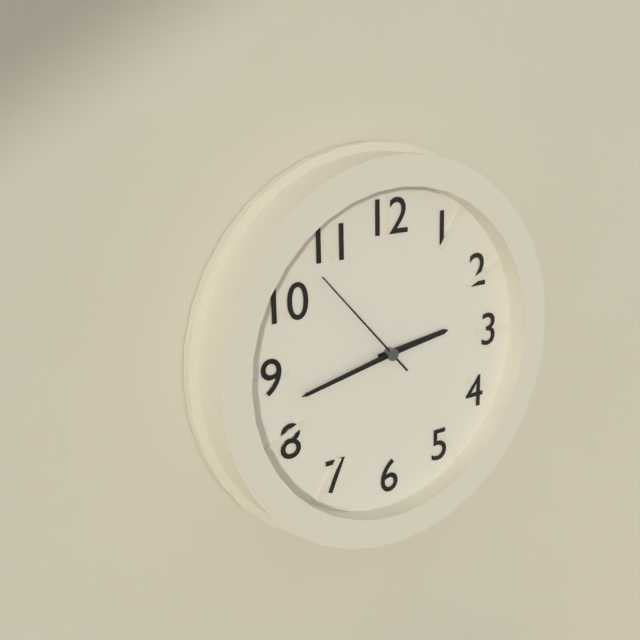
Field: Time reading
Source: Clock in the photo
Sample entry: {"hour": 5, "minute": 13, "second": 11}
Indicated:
{"hour": 2, "minute": 43, "second": 53}
